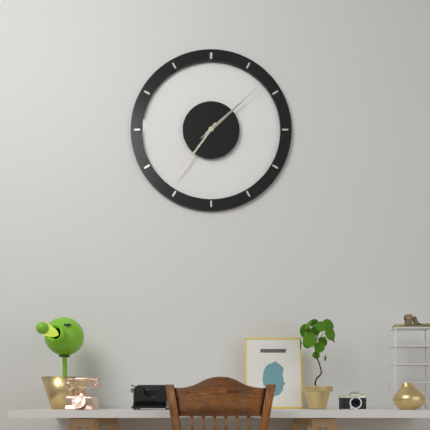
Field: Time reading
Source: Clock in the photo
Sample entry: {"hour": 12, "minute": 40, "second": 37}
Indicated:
{"hour": 1, "minute": 36, "second": 8}
